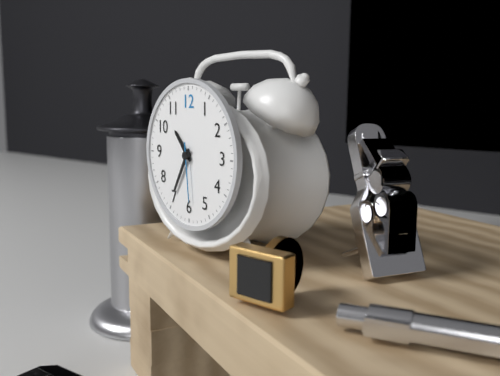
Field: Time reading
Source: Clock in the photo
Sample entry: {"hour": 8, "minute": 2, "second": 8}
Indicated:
{"hour": 10, "minute": 35, "second": 29}
